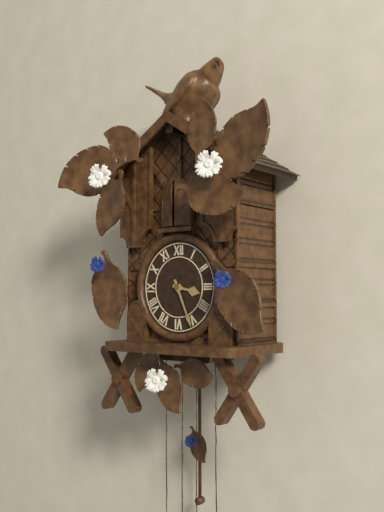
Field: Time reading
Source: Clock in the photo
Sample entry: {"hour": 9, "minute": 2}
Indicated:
{"hour": 3, "minute": 26}
